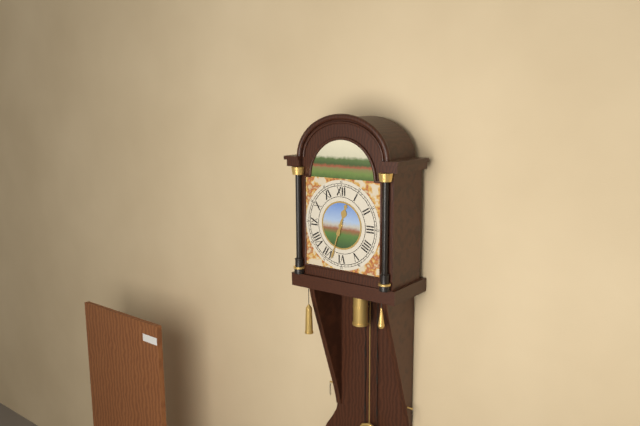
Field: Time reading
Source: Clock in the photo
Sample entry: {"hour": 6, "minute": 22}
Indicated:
{"hour": 12, "minute": 33}
